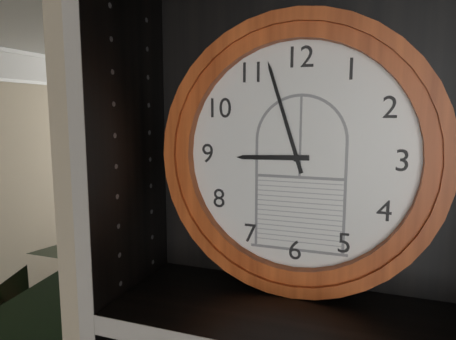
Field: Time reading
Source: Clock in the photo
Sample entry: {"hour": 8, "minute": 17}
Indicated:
{"hour": 8, "minute": 57}
